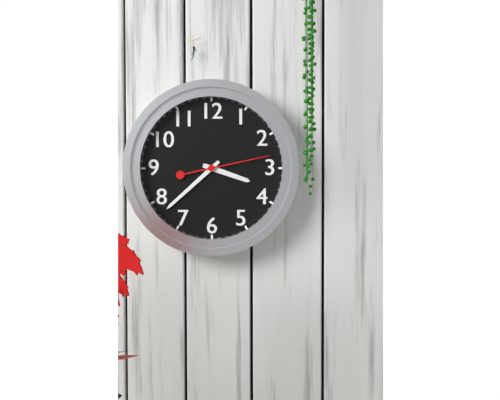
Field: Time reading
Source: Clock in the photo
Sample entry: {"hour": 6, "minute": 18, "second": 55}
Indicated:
{"hour": 3, "minute": 38, "second": 13}
